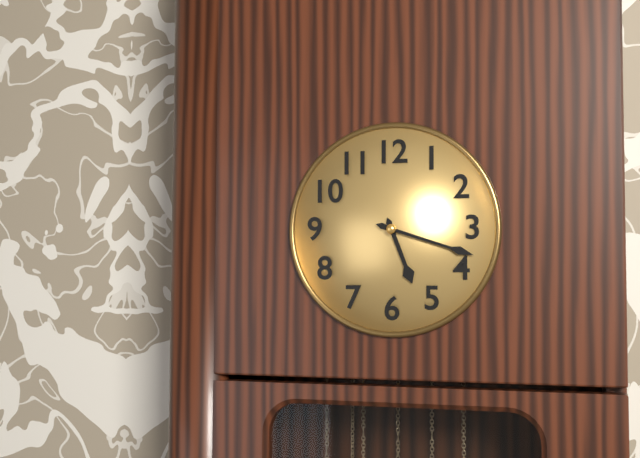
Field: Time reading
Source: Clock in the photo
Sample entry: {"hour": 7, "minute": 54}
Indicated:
{"hour": 5, "minute": 18}
